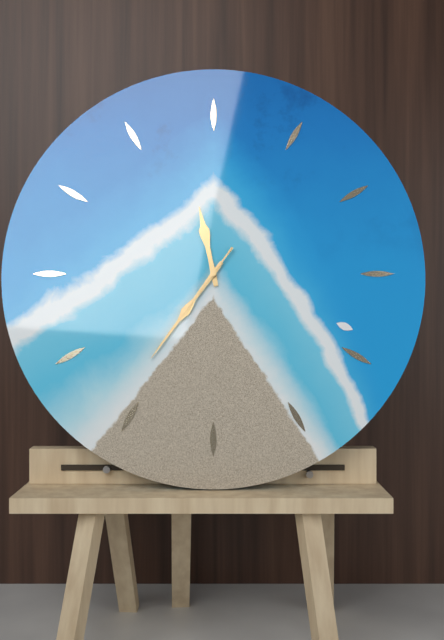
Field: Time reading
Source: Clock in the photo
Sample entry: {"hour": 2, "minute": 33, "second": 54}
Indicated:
{"hour": 11, "minute": 36, "second": 36}
